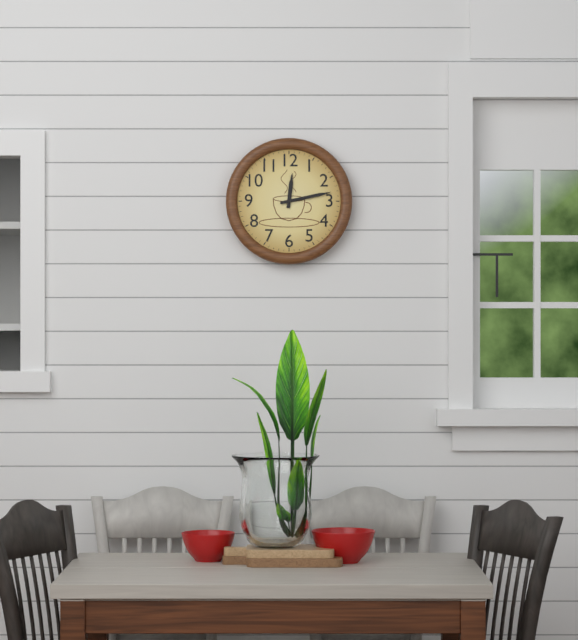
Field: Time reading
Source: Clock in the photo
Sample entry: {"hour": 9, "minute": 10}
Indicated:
{"hour": 12, "minute": 13}
